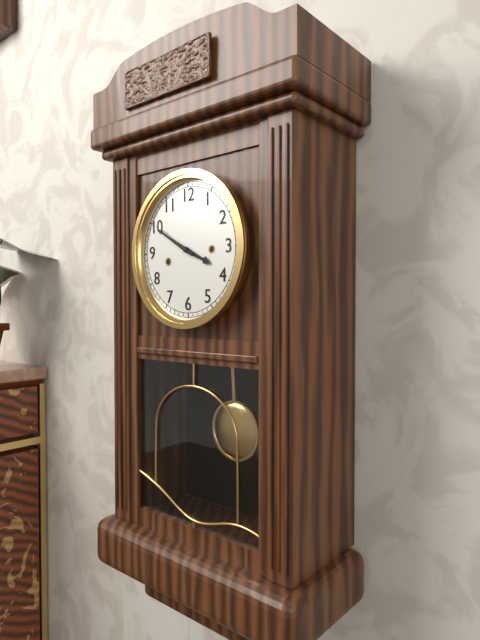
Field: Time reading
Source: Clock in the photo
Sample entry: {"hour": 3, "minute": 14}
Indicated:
{"hour": 3, "minute": 50}
